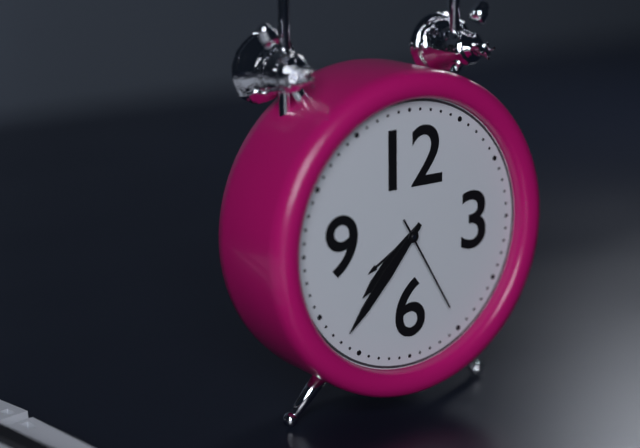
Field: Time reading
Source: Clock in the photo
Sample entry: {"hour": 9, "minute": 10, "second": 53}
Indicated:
{"hour": 7, "minute": 37, "second": 25}
